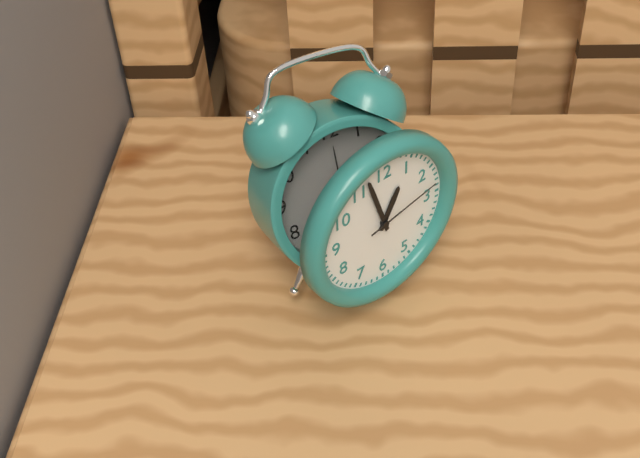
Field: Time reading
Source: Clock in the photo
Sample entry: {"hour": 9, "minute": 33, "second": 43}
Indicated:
{"hour": 12, "minute": 57, "second": 13}
